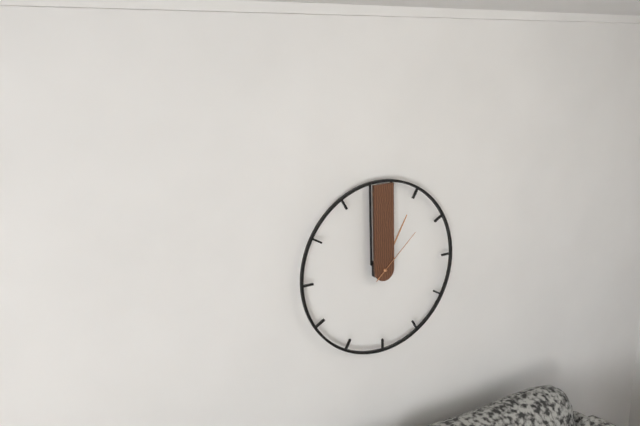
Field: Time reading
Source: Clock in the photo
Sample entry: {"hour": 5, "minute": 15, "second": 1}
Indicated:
{"hour": 1, "minute": 0, "second": 8}
